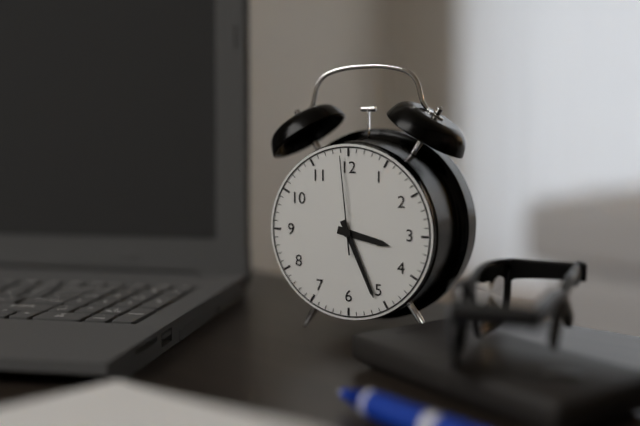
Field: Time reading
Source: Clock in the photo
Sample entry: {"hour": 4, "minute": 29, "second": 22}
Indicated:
{"hour": 3, "minute": 26, "second": 59}
